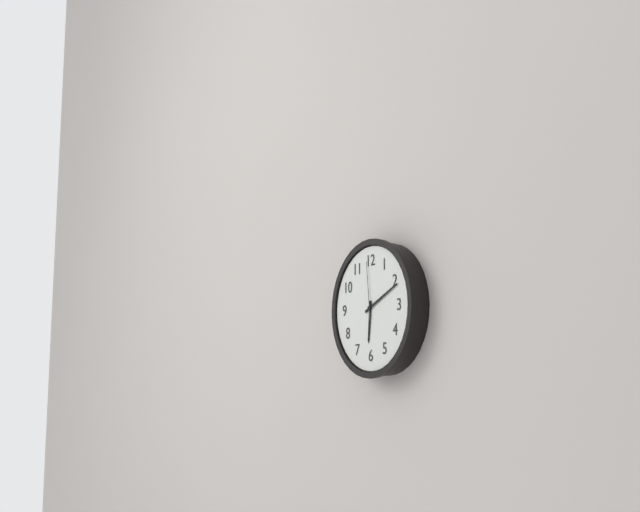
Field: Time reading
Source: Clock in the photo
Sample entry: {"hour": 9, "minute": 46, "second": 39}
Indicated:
{"hour": 6, "minute": 11, "second": 59}
